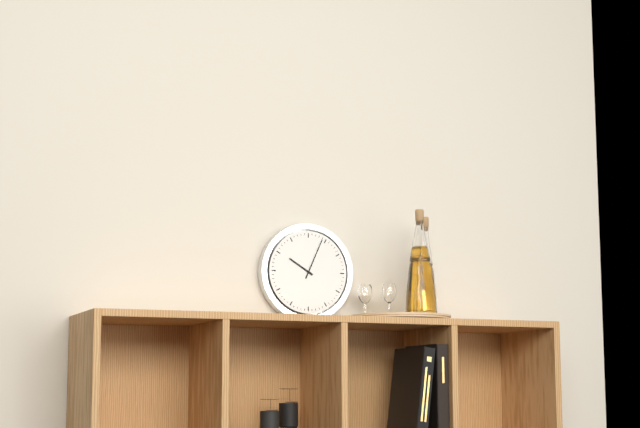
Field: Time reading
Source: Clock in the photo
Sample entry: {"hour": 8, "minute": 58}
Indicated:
{"hour": 10, "minute": 4}
